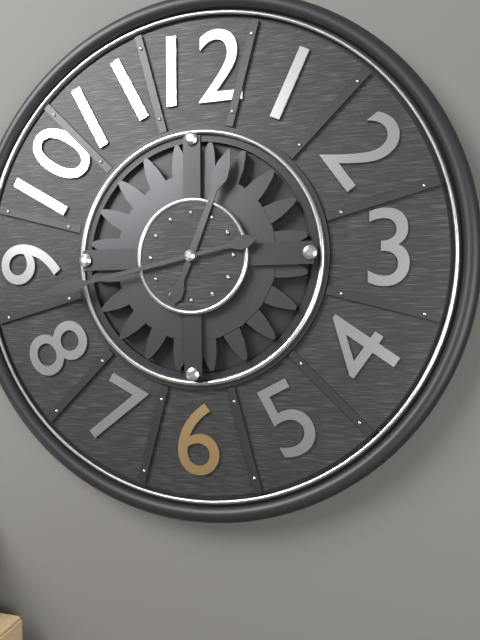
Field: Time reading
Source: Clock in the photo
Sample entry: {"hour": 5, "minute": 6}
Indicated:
{"hour": 12, "minute": 43}
